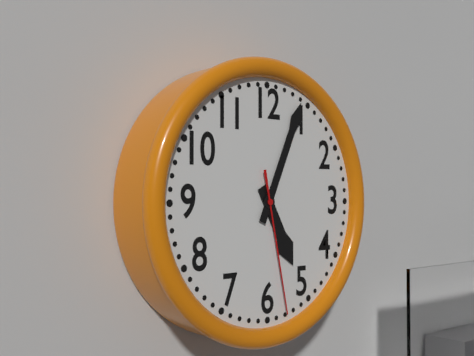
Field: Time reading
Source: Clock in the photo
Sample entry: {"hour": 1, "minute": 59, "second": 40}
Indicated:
{"hour": 5, "minute": 4, "second": 28}
